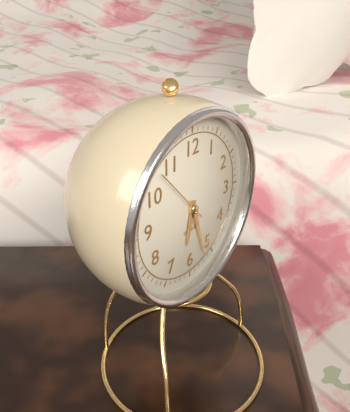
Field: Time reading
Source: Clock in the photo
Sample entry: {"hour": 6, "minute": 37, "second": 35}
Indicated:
{"hour": 6, "minute": 27, "second": 53}
